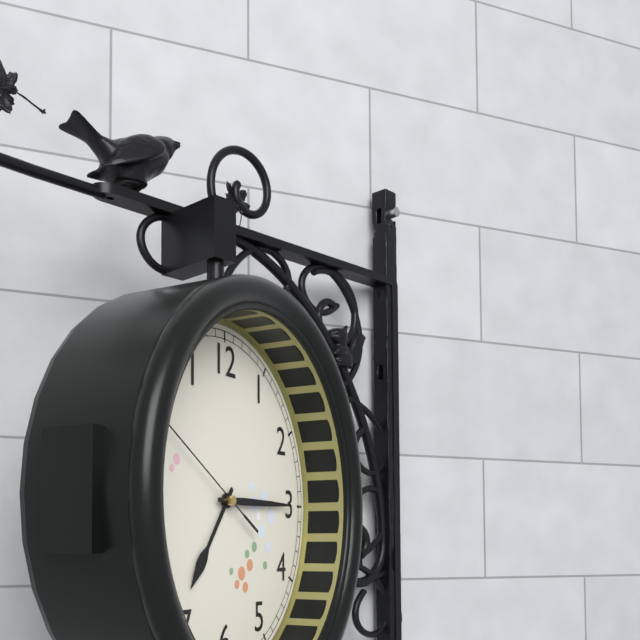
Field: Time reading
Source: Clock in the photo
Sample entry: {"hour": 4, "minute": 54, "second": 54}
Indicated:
{"hour": 7, "minute": 15, "second": 50}
